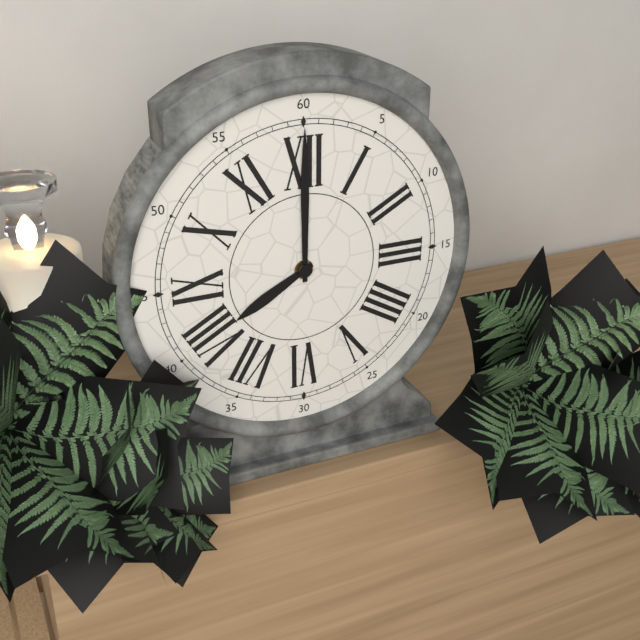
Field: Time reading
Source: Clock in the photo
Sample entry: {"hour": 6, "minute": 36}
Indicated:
{"hour": 8, "minute": 0}
